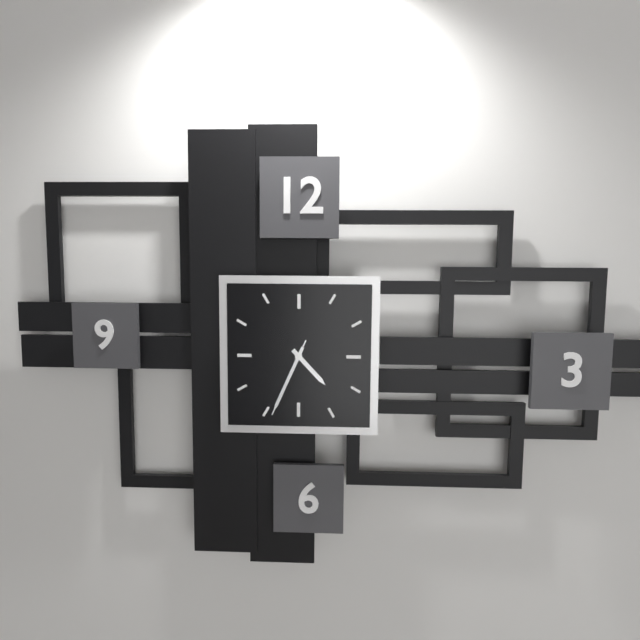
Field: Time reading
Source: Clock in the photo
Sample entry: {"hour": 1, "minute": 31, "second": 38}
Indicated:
{"hour": 4, "minute": 34, "second": 34}
